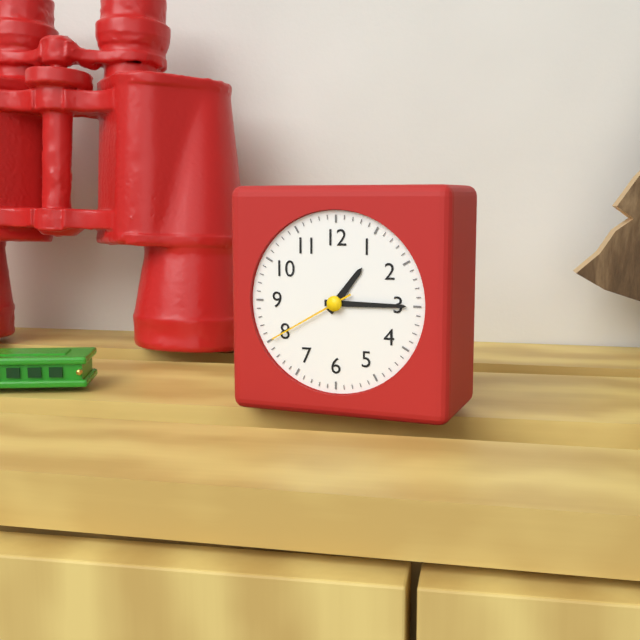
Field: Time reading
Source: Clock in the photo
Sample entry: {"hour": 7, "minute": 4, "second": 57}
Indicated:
{"hour": 1, "minute": 15, "second": 40}
